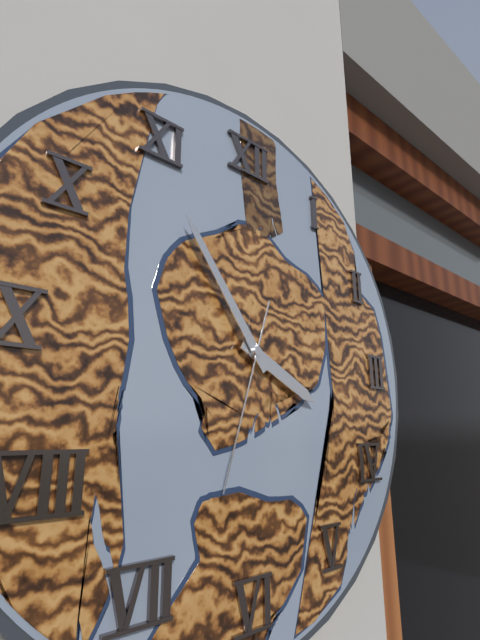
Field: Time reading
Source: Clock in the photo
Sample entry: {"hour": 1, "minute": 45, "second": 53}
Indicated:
{"hour": 3, "minute": 54, "second": 33}
